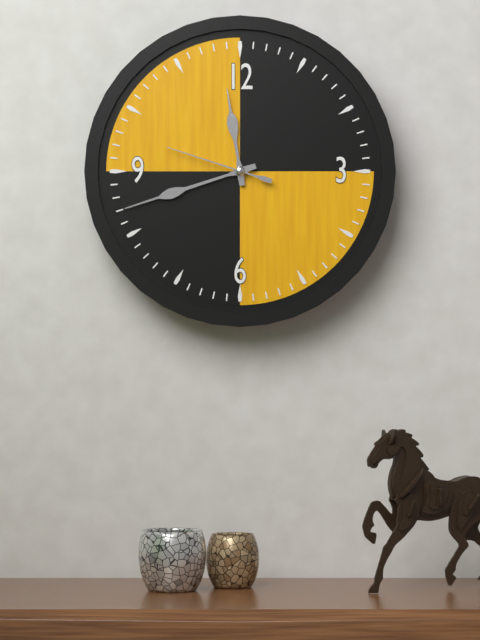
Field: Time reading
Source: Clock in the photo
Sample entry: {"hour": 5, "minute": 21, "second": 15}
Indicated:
{"hour": 11, "minute": 42, "second": 48}
